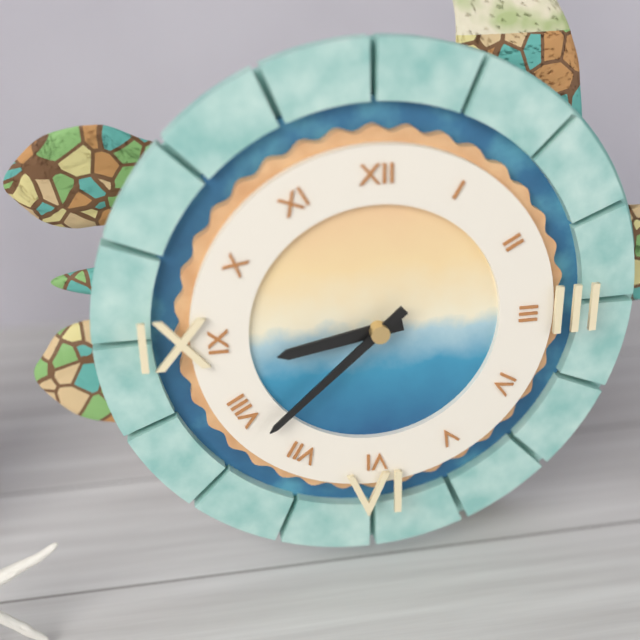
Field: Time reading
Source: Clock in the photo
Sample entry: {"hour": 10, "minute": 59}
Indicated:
{"hour": 8, "minute": 38}
